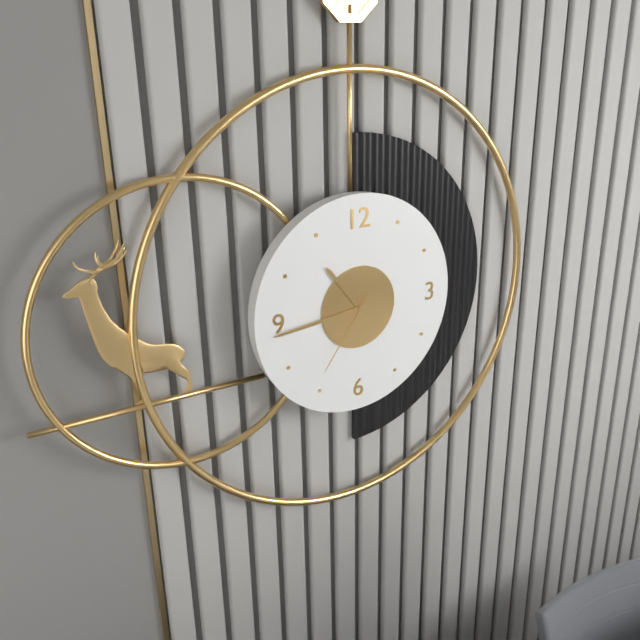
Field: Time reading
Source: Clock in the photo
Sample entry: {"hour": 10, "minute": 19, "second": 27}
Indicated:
{"hour": 10, "minute": 44, "second": 36}
